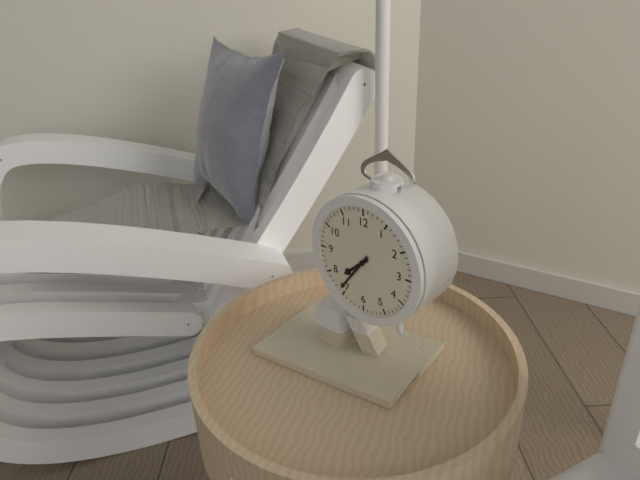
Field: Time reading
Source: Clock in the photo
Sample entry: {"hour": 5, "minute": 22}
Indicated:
{"hour": 7, "minute": 36}
